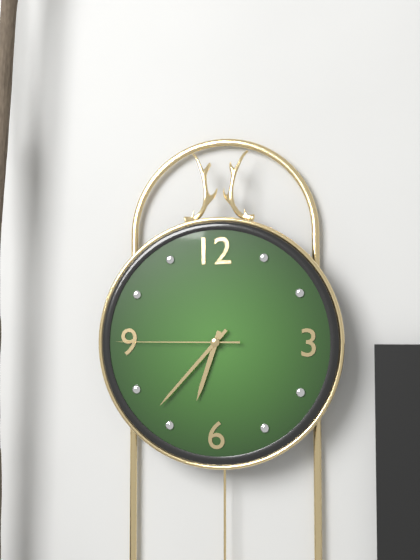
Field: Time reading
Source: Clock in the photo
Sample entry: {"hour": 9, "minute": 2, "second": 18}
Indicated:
{"hour": 6, "minute": 37, "second": 45}
